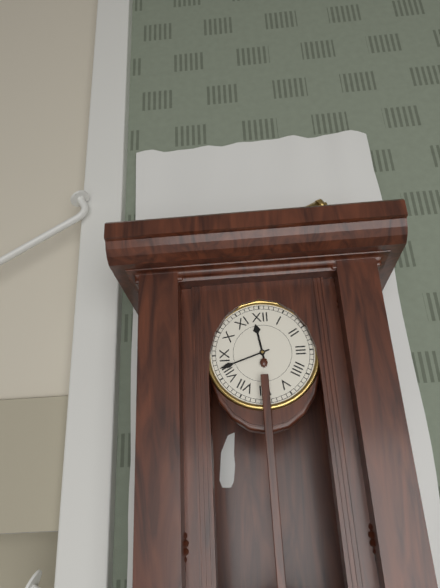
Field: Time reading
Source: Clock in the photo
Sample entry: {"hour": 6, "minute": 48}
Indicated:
{"hour": 11, "minute": 42}
